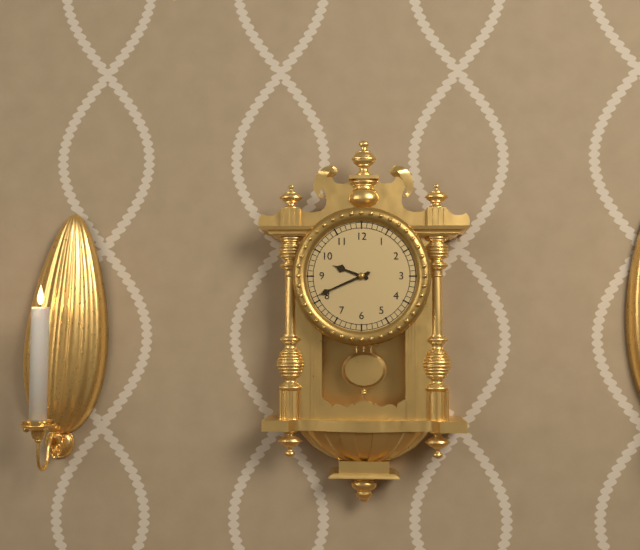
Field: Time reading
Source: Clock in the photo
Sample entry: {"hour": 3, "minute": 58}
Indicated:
{"hour": 9, "minute": 41}
